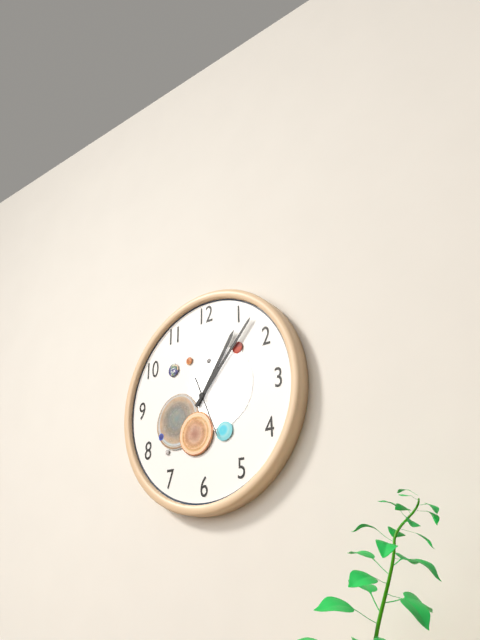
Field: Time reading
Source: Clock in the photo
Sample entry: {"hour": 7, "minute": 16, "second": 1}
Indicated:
{"hour": 1, "minute": 7, "second": 26}
